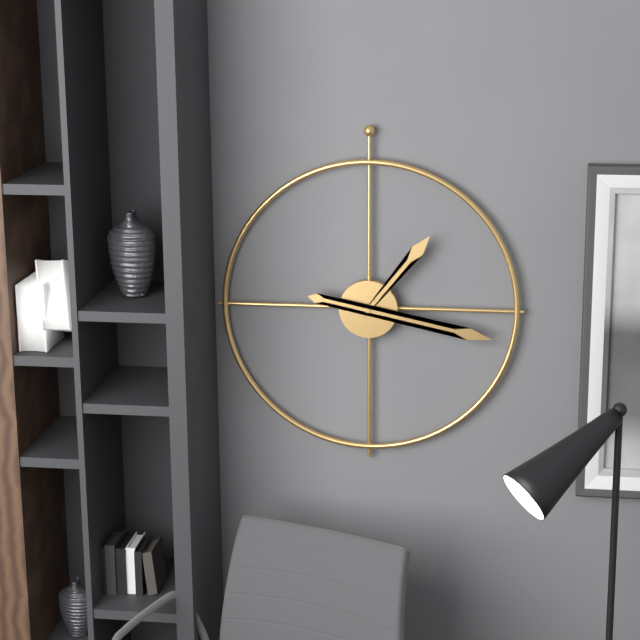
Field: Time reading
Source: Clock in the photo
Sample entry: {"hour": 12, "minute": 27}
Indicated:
{"hour": 1, "minute": 17}
